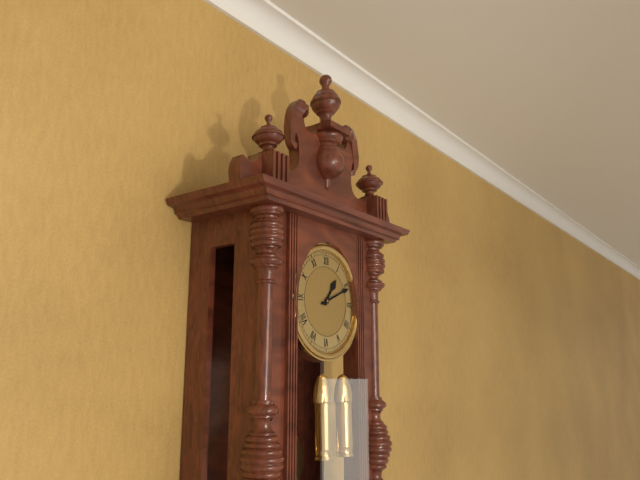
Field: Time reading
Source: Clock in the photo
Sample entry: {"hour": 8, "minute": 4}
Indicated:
{"hour": 1, "minute": 11}
